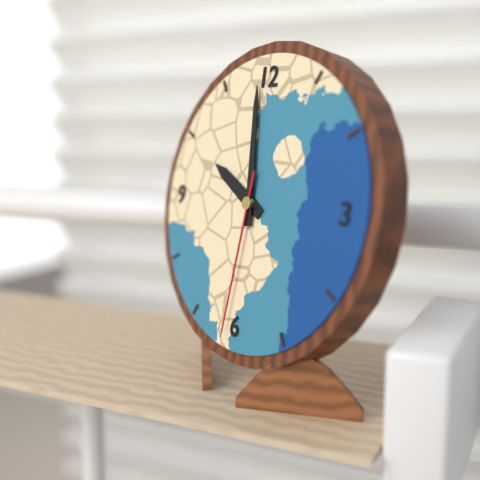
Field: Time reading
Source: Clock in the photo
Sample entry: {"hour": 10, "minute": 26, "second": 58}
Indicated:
{"hour": 9, "minute": 59, "second": 31}
